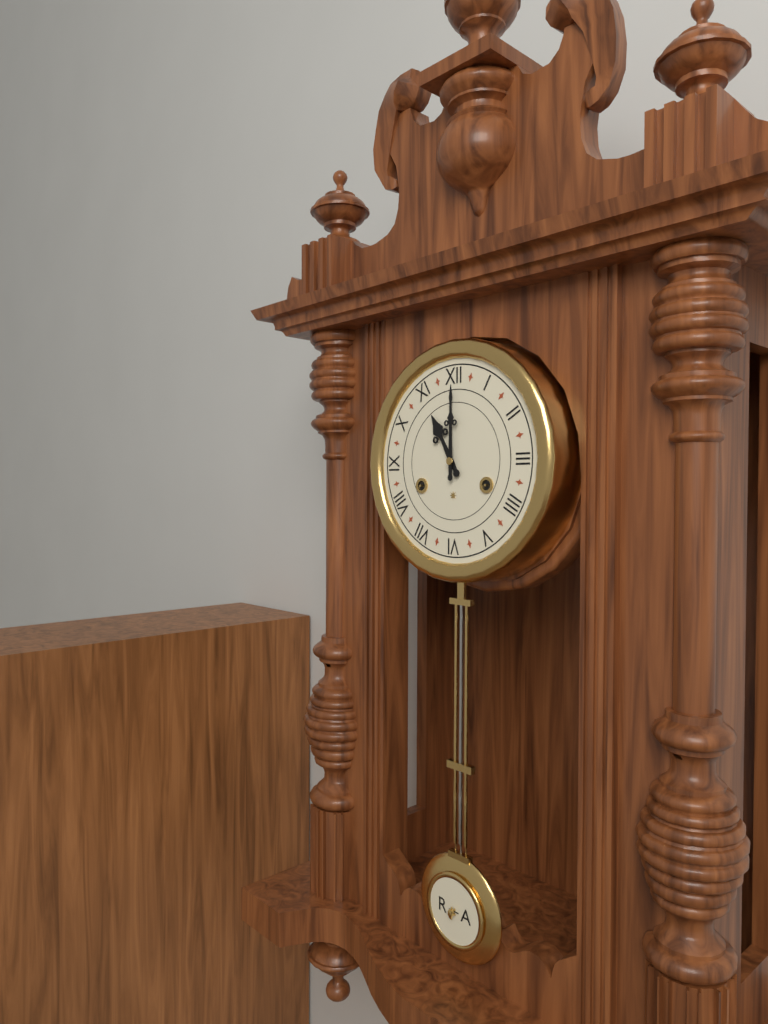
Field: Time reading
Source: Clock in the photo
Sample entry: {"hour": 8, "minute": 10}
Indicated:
{"hour": 11, "minute": 0}
